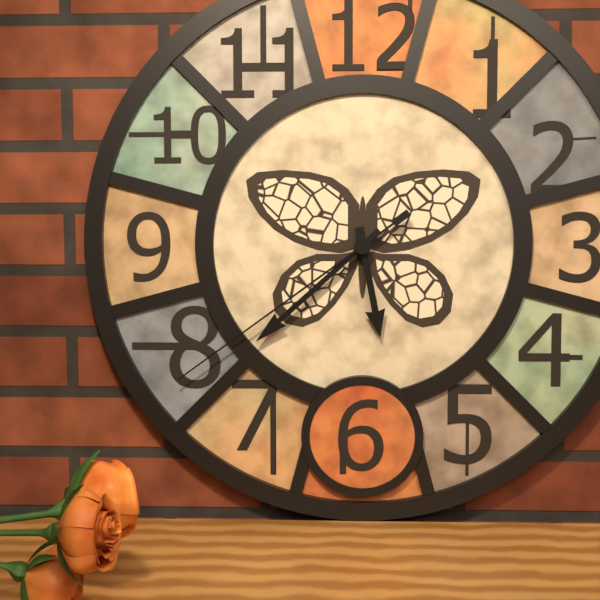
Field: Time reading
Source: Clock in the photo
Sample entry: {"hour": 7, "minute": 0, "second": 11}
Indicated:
{"hour": 5, "minute": 38, "second": 39}
